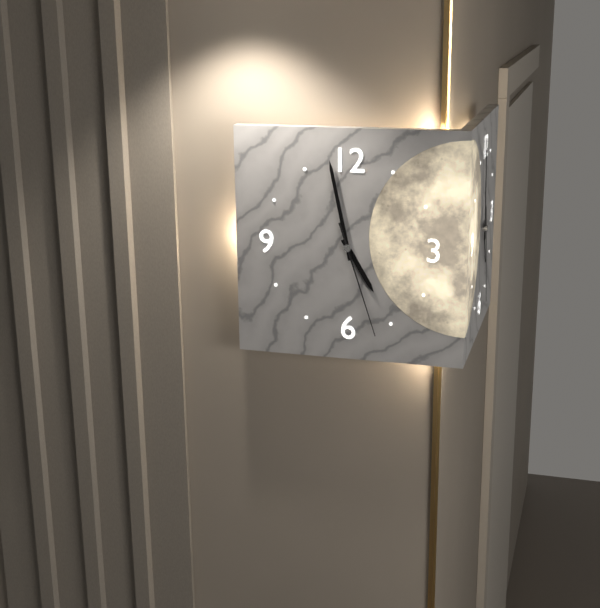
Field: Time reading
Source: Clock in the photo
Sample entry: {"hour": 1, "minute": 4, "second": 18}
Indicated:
{"hour": 4, "minute": 58, "second": 27}
